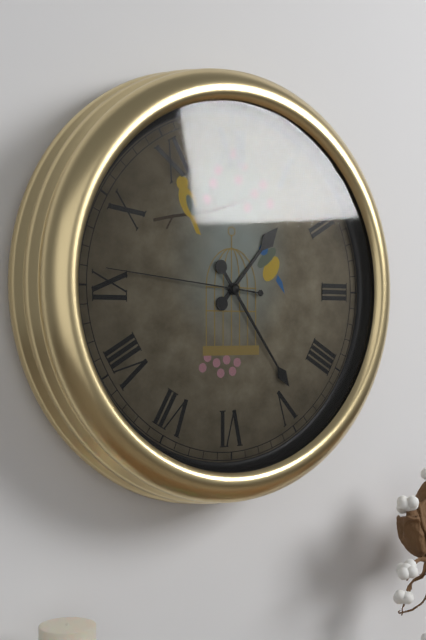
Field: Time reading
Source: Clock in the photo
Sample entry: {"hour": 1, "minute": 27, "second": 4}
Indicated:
{"hour": 1, "minute": 24, "second": 46}
